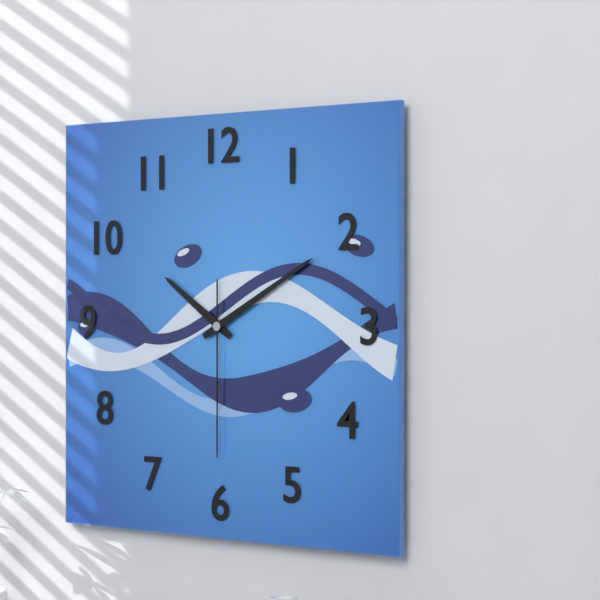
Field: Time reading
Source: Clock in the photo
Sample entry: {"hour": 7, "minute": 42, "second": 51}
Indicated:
{"hour": 10, "minute": 10, "second": 30}
